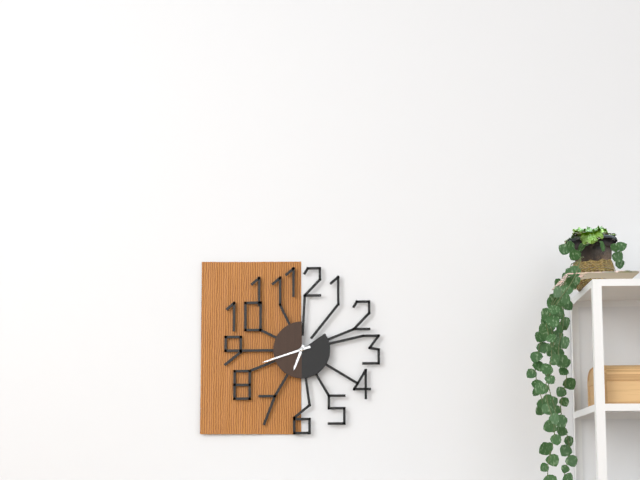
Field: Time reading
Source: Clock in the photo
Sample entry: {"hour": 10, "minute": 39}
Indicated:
{"hour": 6, "minute": 42}
